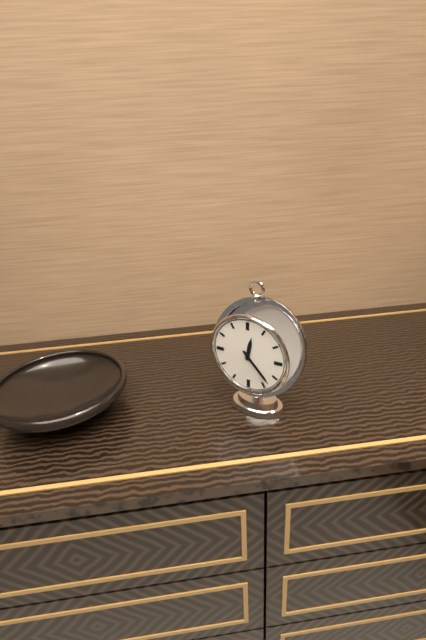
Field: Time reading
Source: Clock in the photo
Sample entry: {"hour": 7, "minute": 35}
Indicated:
{"hour": 12, "minute": 23}
